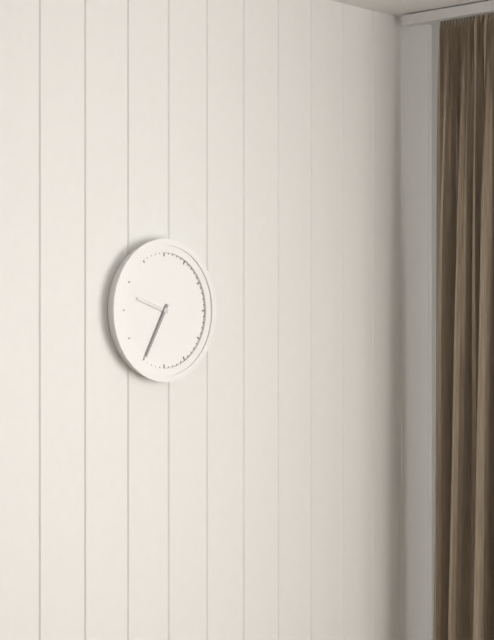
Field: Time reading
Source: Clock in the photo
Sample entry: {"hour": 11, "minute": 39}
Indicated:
{"hour": 9, "minute": 35}
